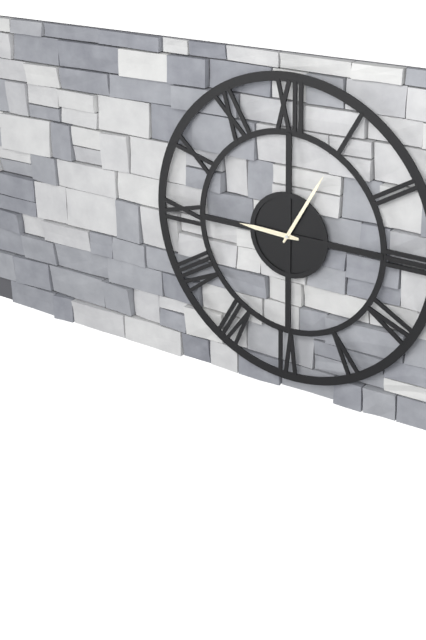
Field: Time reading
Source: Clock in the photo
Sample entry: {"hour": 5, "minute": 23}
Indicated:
{"hour": 9, "minute": 5}
